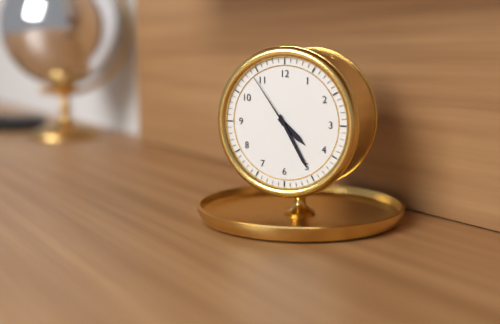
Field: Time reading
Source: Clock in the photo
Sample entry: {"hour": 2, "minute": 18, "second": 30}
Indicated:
{"hour": 4, "minute": 25, "second": 54}
